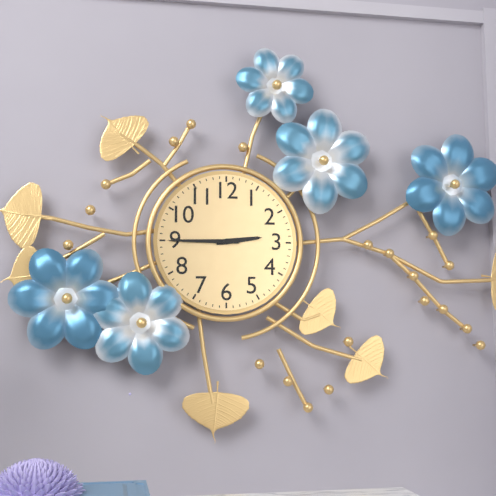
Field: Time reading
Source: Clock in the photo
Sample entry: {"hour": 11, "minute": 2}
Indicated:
{"hour": 2, "minute": 45}
